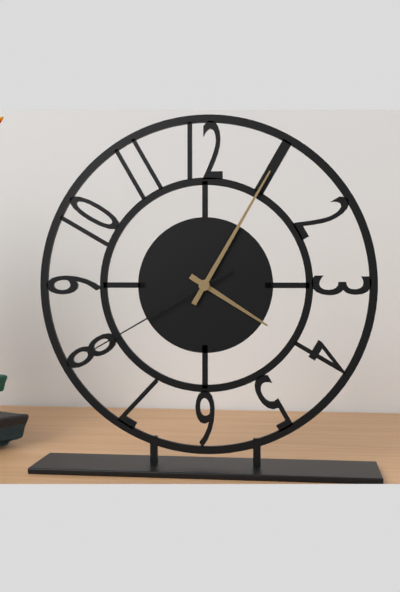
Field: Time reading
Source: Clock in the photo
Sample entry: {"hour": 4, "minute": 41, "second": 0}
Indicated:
{"hour": 4, "minute": 5, "second": 40}
